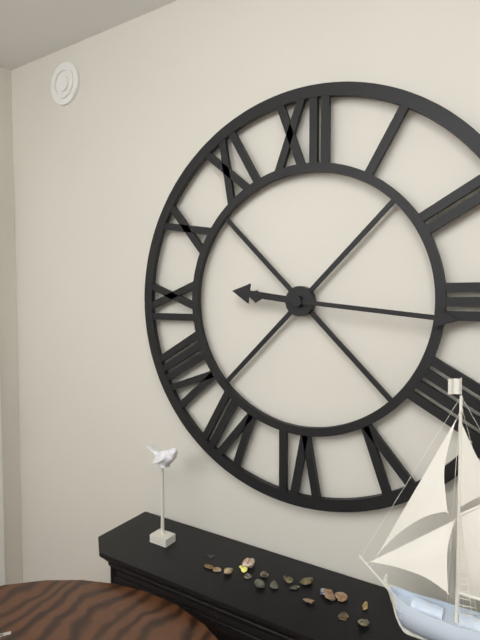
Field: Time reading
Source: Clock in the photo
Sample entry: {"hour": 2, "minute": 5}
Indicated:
{"hour": 9, "minute": 16}
